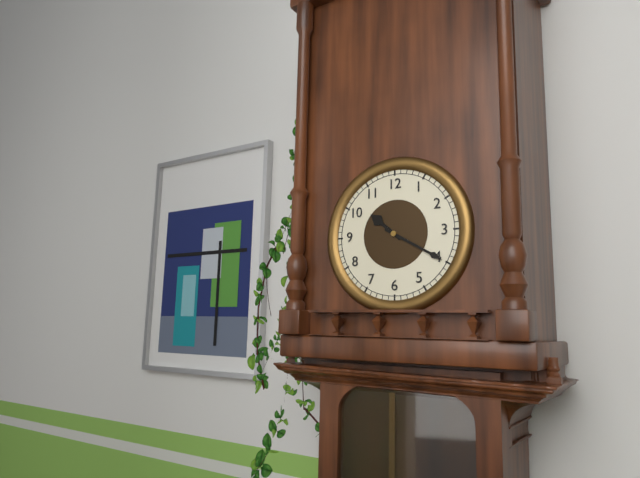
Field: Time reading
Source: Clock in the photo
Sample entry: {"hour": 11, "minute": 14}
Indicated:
{"hour": 10, "minute": 20}
